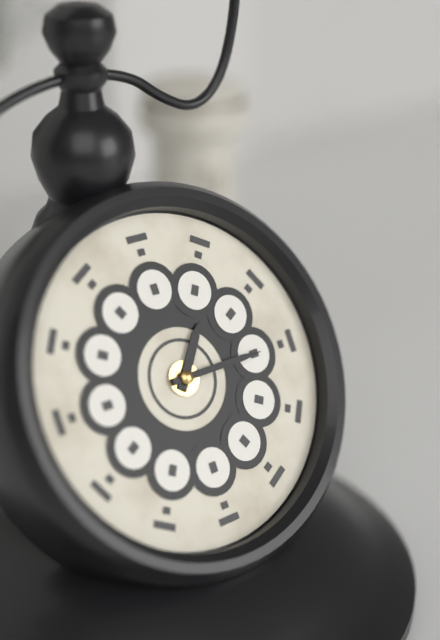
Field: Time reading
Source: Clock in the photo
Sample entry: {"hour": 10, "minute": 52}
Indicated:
{"hour": 1, "minute": 15}
